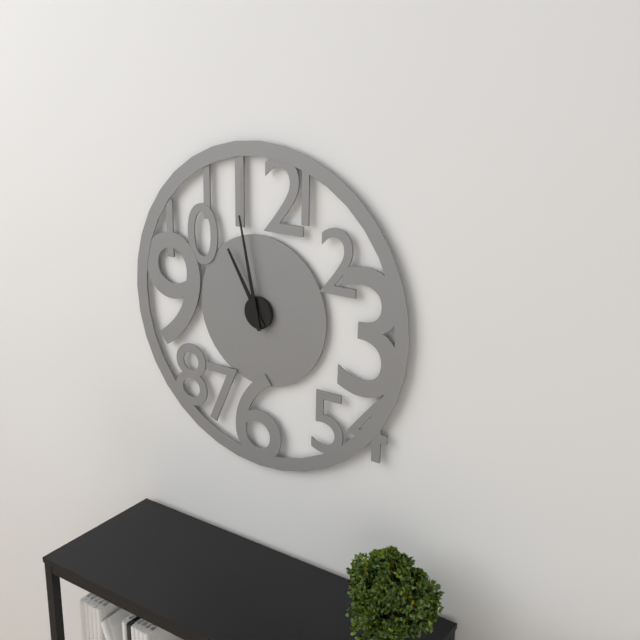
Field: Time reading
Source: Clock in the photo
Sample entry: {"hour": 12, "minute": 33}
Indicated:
{"hour": 10, "minute": 58}
